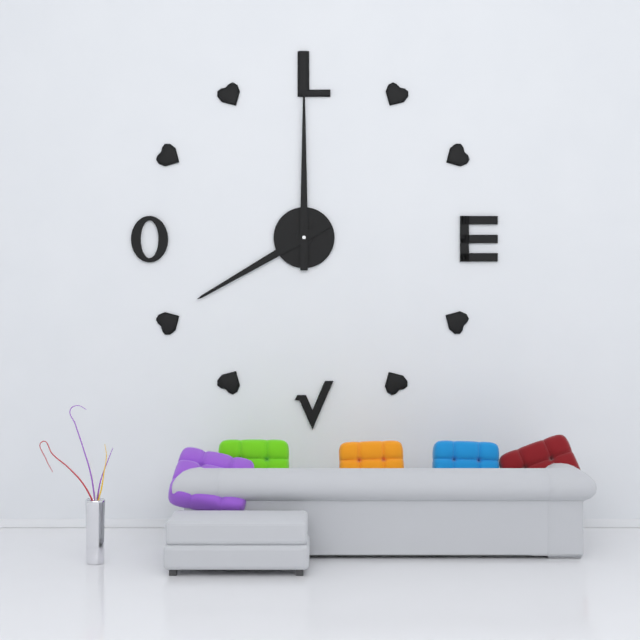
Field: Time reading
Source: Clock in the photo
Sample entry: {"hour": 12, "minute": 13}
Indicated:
{"hour": 8, "minute": 0}
